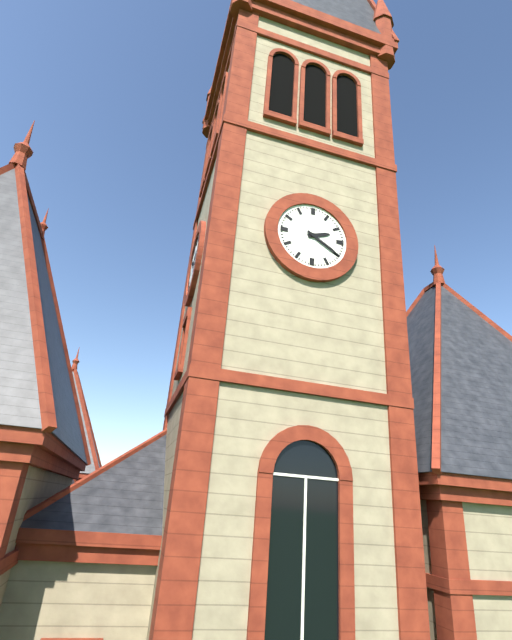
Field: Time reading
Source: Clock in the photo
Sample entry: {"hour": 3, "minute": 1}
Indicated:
{"hour": 2, "minute": 20}
